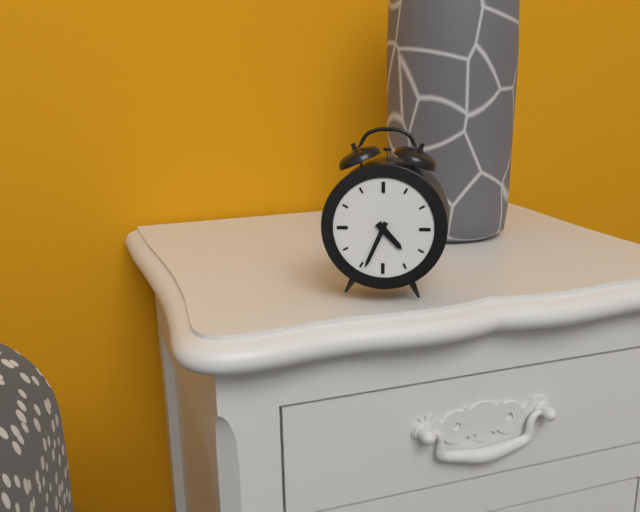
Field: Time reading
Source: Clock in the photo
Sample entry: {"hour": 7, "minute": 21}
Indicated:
{"hour": 4, "minute": 34}
